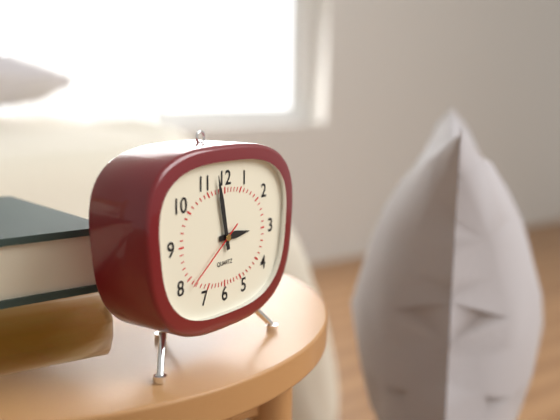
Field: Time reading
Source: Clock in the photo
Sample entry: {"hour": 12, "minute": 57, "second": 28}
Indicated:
{"hour": 2, "minute": 58, "second": 39}
